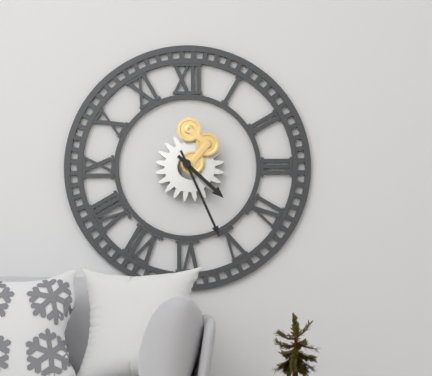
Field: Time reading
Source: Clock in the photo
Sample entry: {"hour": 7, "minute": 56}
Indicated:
{"hour": 4, "minute": 26}
